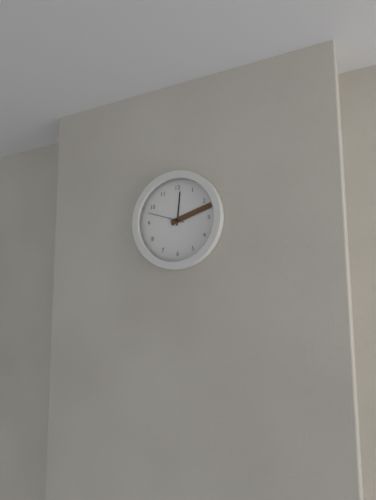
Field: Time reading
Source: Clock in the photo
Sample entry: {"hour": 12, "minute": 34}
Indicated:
{"hour": 12, "minute": 12}
